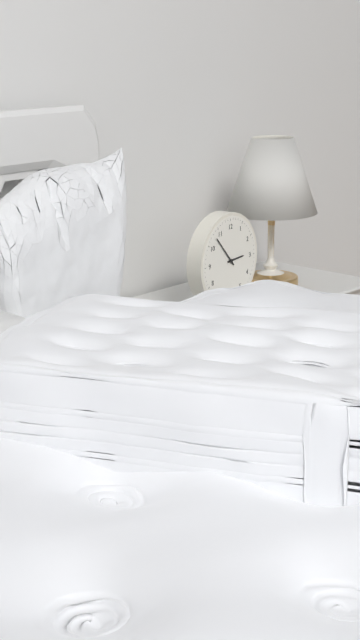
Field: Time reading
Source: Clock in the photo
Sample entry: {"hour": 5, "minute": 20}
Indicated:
{"hour": 2, "minute": 53}
